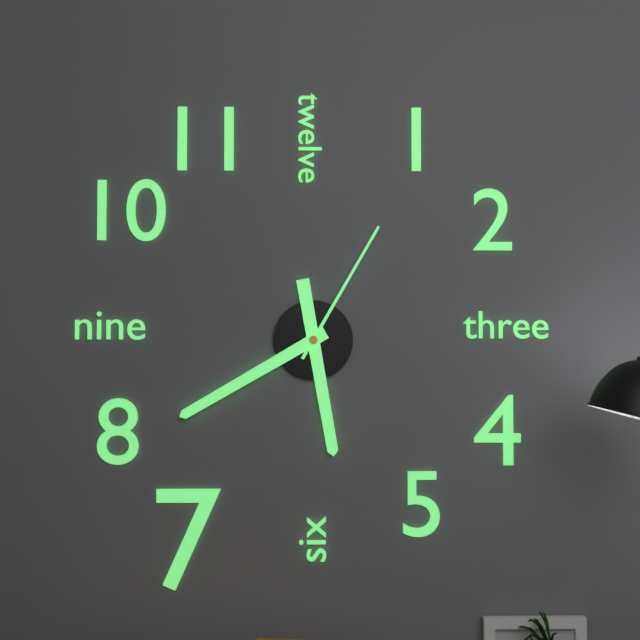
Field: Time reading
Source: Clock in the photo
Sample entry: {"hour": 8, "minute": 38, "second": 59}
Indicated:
{"hour": 5, "minute": 40, "second": 5}
